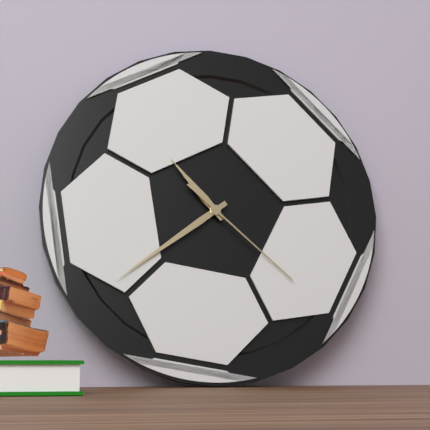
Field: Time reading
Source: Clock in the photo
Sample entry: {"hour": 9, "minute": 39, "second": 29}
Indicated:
{"hour": 10, "minute": 39, "second": 22}
